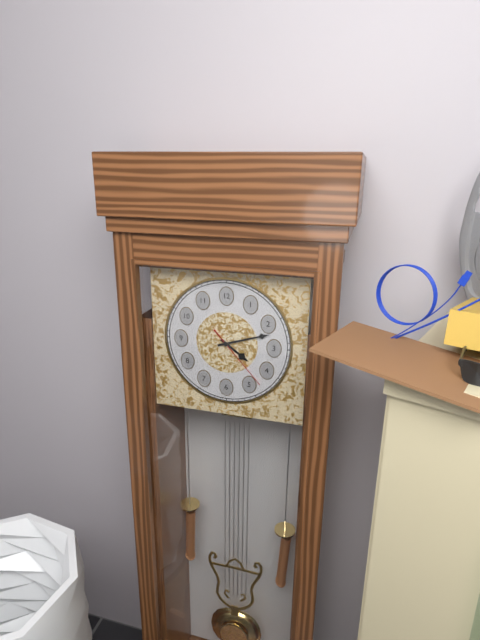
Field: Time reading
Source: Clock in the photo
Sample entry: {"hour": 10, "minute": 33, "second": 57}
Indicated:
{"hour": 4, "minute": 12, "second": 23}
